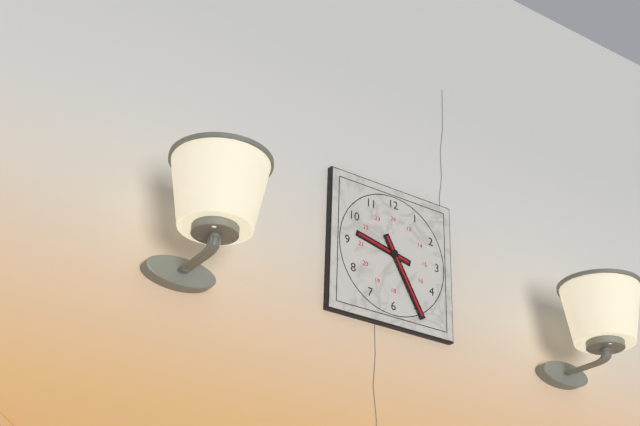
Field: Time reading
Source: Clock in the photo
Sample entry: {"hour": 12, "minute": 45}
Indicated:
{"hour": 9, "minute": 25}
